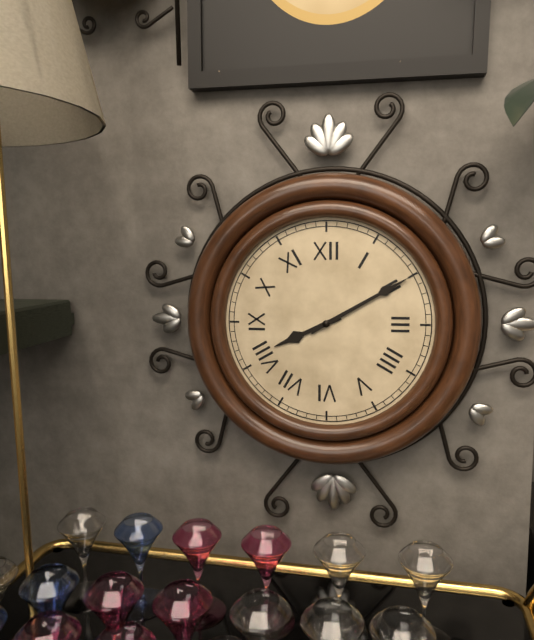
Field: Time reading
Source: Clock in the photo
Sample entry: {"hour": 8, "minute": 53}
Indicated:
{"hour": 8, "minute": 10}
